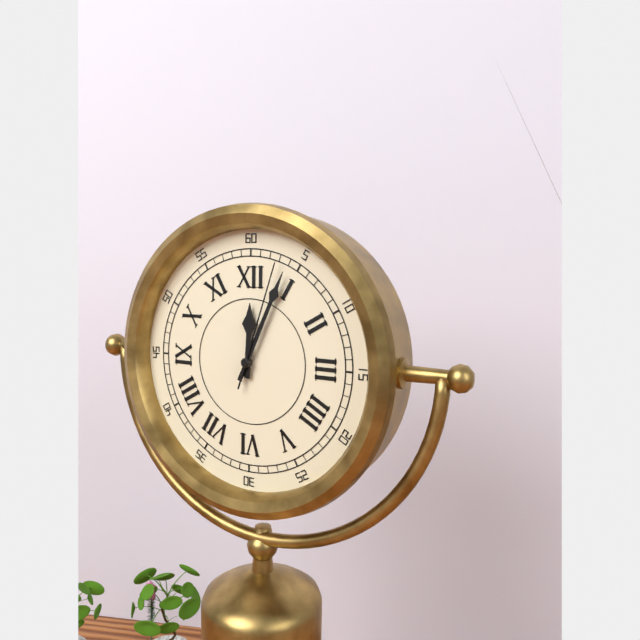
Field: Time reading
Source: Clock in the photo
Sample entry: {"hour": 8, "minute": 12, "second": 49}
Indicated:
{"hour": 12, "minute": 4, "second": 3}
